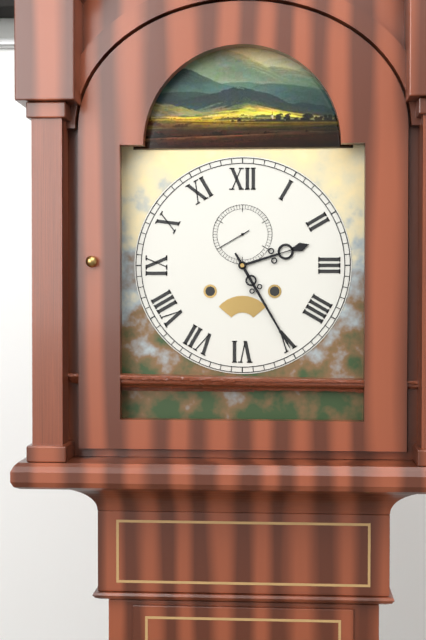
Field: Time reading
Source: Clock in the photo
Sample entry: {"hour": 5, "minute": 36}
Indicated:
{"hour": 2, "minute": 25}
